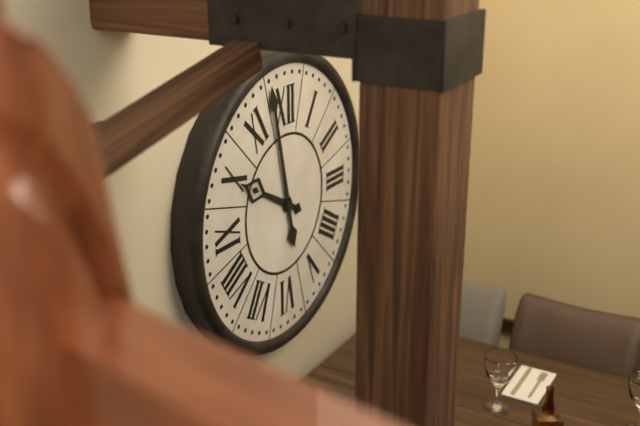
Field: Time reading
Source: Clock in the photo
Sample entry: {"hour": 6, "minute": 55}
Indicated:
{"hour": 9, "minute": 58}
